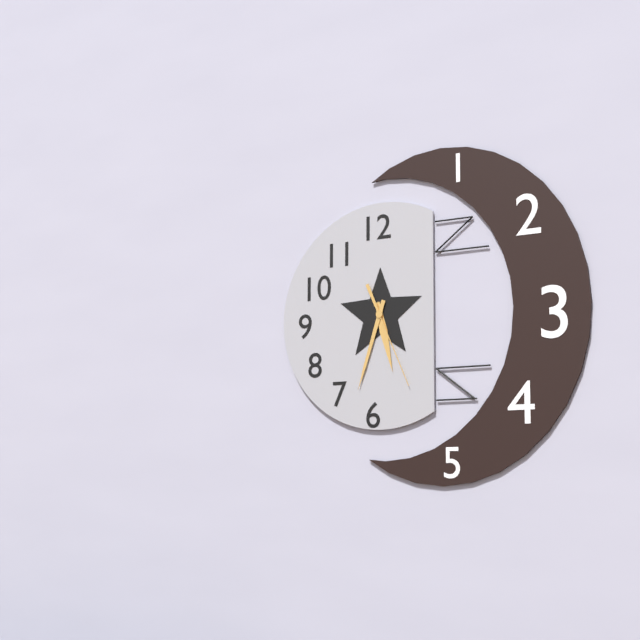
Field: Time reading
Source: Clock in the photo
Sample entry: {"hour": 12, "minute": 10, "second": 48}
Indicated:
{"hour": 5, "minute": 33, "second": 26}
